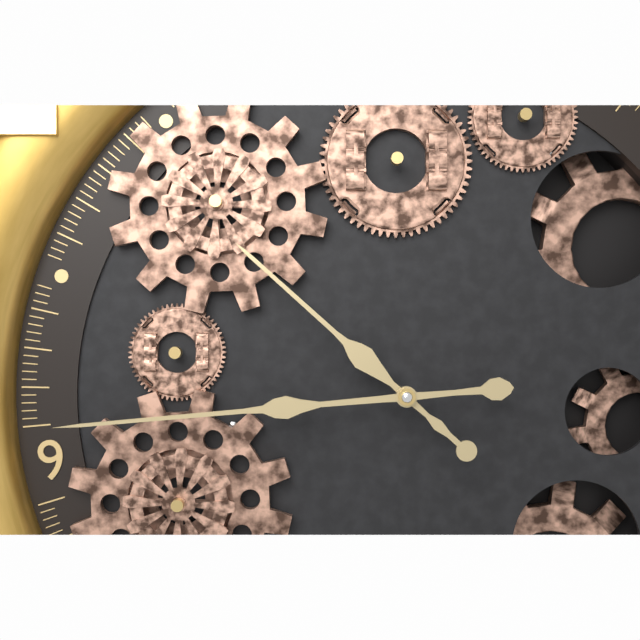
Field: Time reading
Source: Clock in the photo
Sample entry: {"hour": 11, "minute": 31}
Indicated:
{"hour": 10, "minute": 46}
